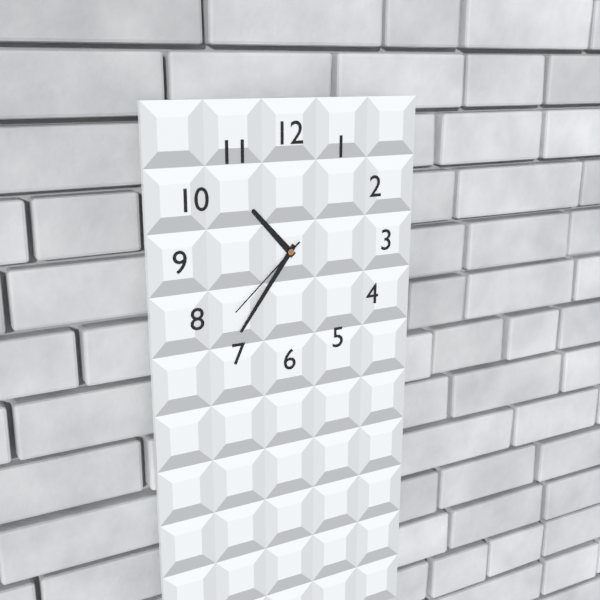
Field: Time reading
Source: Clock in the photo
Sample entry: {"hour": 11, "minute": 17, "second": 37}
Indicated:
{"hour": 10, "minute": 36, "second": 38}
